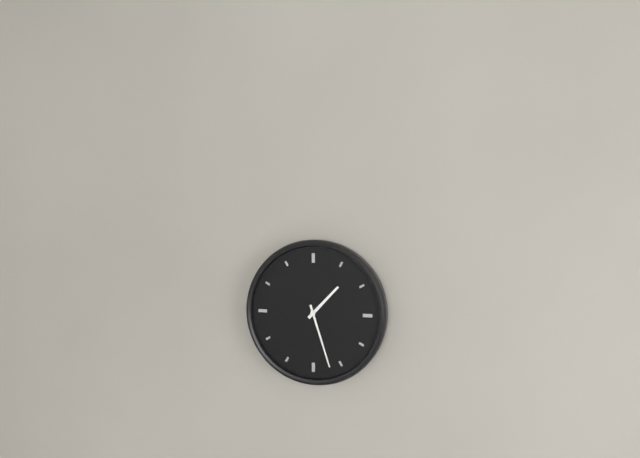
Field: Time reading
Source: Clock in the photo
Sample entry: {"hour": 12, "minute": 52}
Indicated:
{"hour": 1, "minute": 27}
